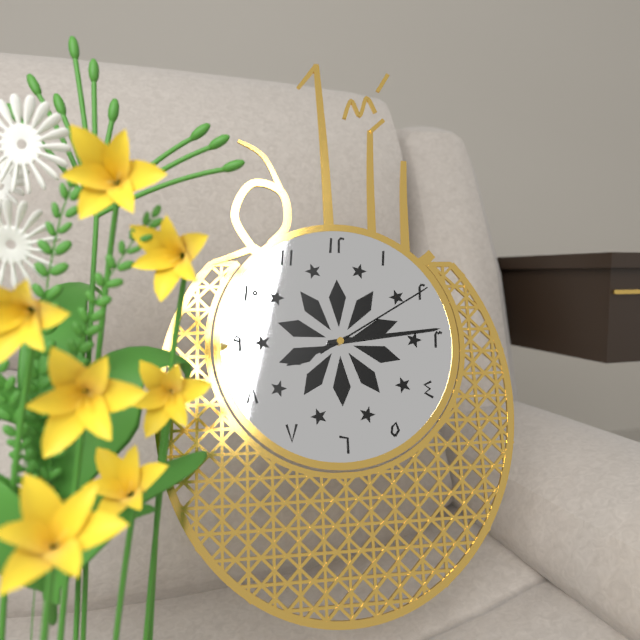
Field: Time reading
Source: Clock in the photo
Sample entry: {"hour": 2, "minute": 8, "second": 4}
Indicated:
{"hour": 8, "minute": 14, "second": 10}
